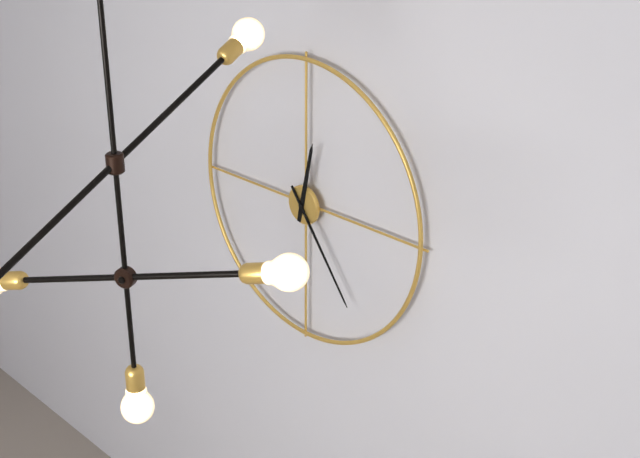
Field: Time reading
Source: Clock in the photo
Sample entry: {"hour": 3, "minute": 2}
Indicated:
{"hour": 12, "minute": 24}
